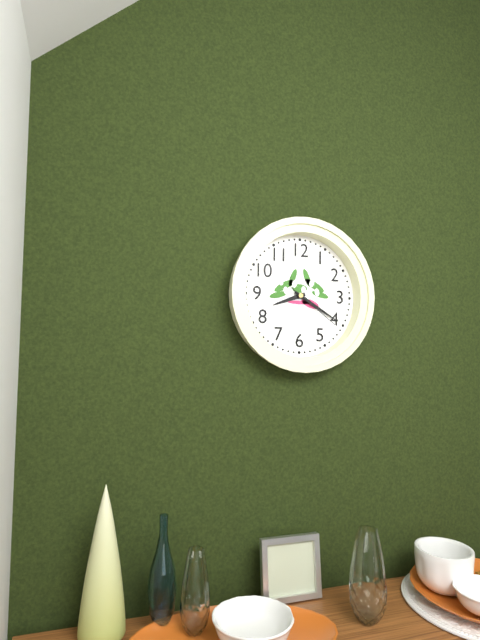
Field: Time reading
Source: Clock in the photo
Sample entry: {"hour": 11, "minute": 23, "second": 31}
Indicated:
{"hour": 8, "minute": 20, "second": 21}
